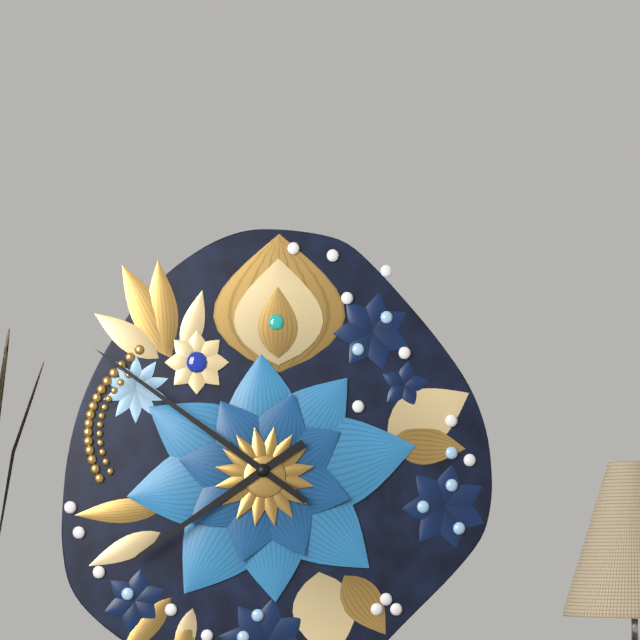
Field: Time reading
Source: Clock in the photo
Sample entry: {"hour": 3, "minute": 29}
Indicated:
{"hour": 7, "minute": 51}
